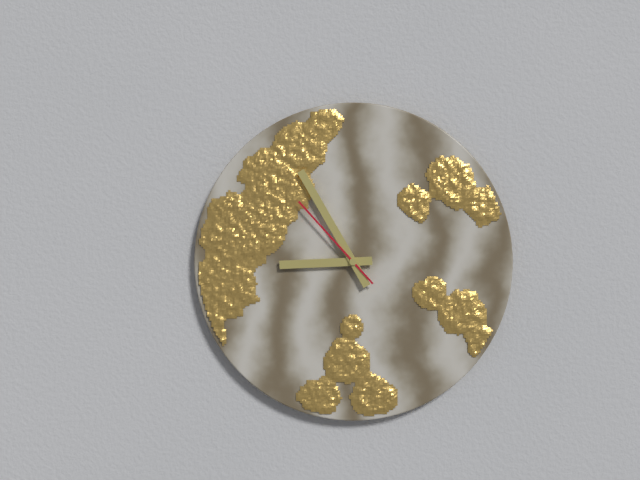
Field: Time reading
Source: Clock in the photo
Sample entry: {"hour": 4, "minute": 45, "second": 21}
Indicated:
{"hour": 8, "minute": 55, "second": 53}
